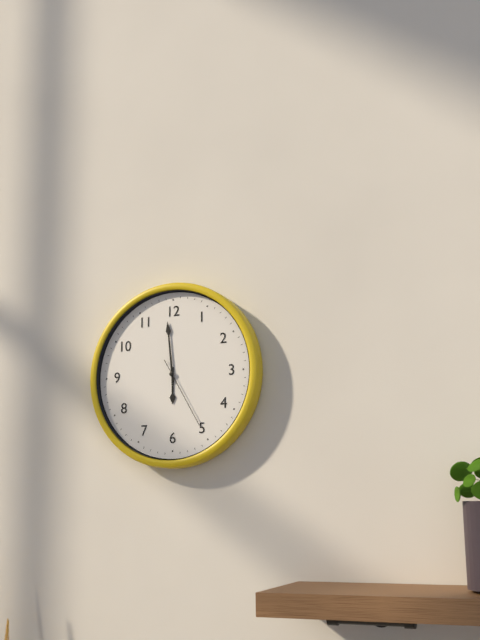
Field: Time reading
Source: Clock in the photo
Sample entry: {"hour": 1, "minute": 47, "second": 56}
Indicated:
{"hour": 5, "minute": 59, "second": 25}
